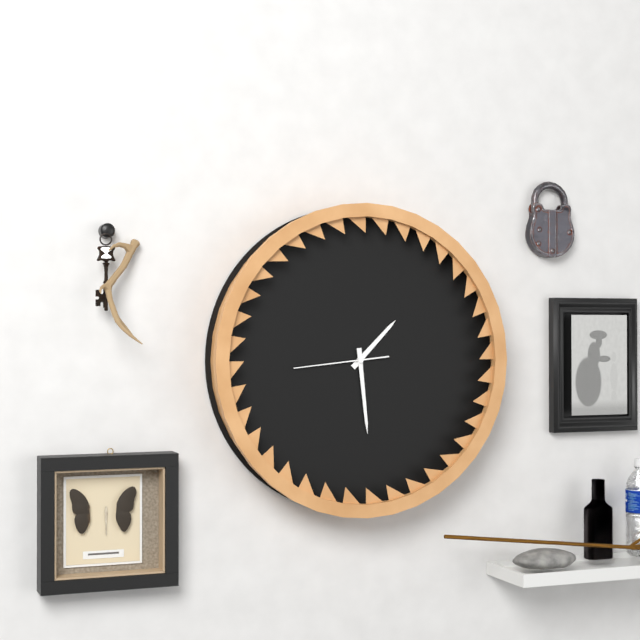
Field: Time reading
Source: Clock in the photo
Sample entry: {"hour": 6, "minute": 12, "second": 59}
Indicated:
{"hour": 1, "minute": 29, "second": 44}
